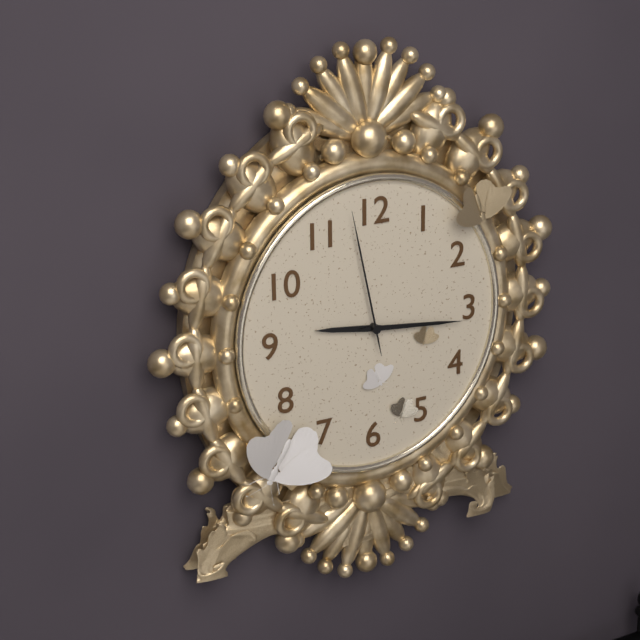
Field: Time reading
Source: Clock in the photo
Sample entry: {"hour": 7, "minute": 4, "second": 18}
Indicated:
{"hour": 9, "minute": 16, "second": 58}
